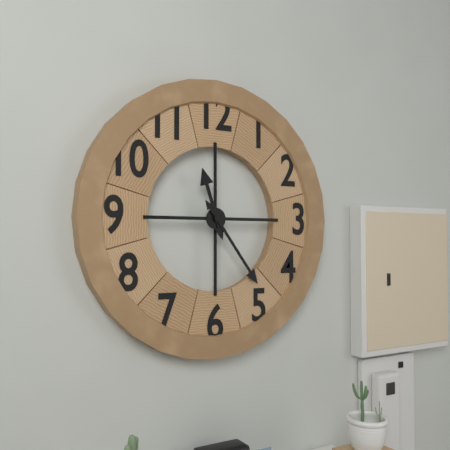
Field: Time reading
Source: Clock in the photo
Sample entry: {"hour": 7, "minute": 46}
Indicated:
{"hour": 11, "minute": 24}
